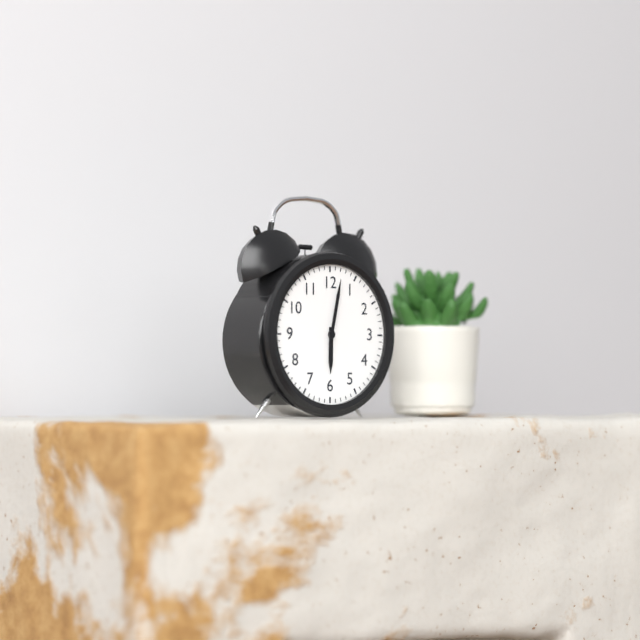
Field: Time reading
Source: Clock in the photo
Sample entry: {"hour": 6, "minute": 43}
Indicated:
{"hour": 6, "minute": 2}
